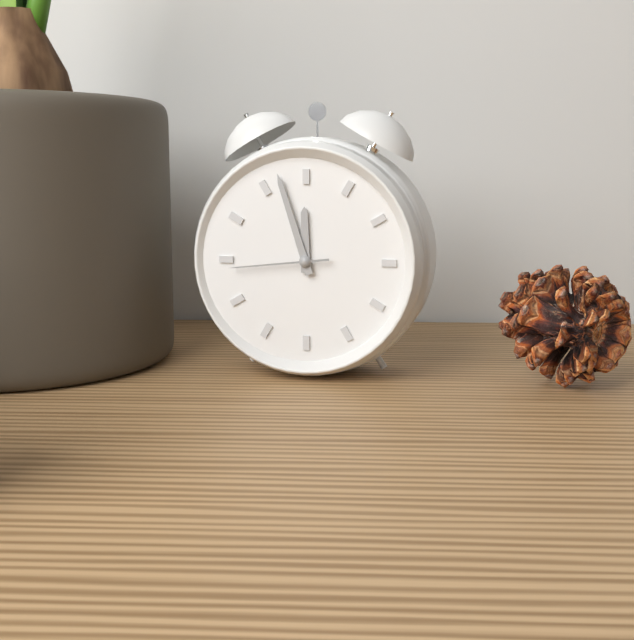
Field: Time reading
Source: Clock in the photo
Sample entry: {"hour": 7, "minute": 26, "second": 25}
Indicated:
{"hour": 11, "minute": 57, "second": 44}
